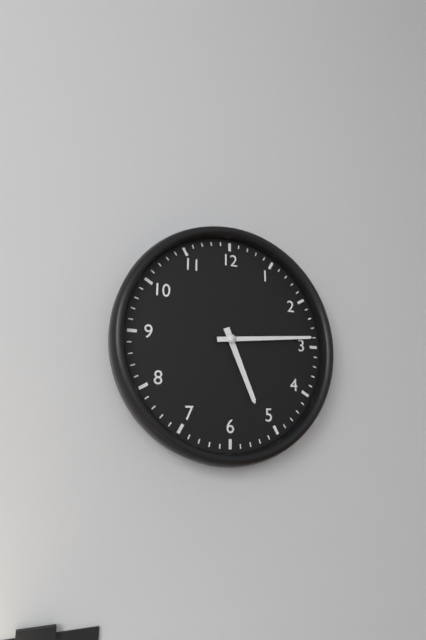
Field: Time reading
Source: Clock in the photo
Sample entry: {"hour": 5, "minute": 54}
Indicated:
{"hour": 5, "minute": 14}
